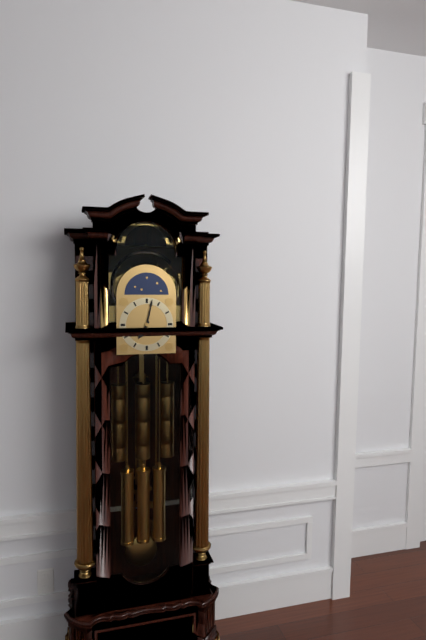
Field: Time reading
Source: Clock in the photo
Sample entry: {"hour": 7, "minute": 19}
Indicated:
{"hour": 7, "minute": 2}
